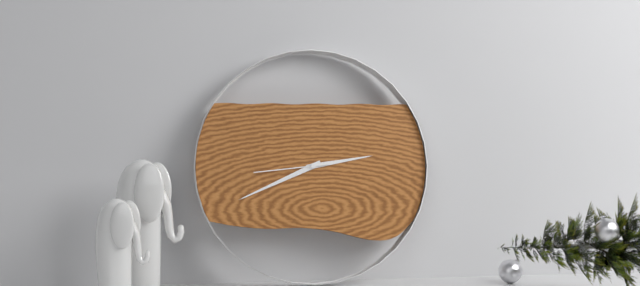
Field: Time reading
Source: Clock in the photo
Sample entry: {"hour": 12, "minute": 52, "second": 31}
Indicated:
{"hour": 2, "minute": 41, "second": 44}
